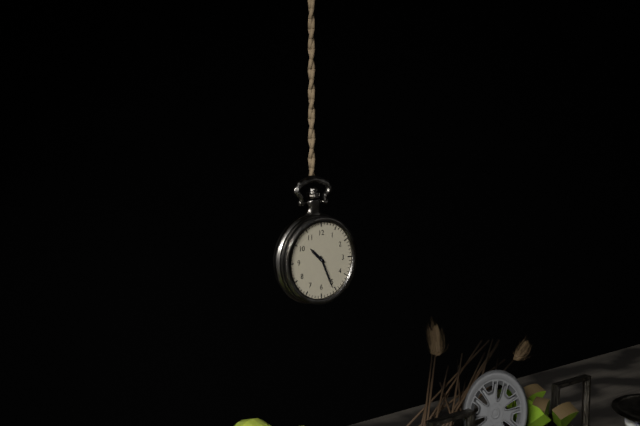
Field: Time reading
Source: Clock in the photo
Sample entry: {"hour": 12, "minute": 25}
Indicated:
{"hour": 10, "minute": 26}
